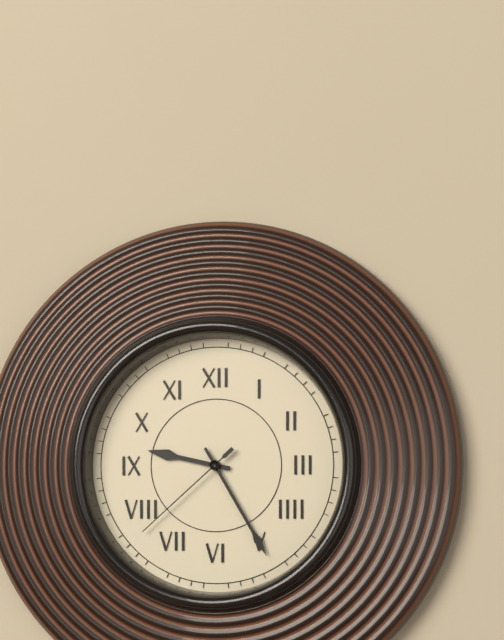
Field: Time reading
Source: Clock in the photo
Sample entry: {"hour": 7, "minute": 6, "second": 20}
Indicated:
{"hour": 9, "minute": 25, "second": 38}
